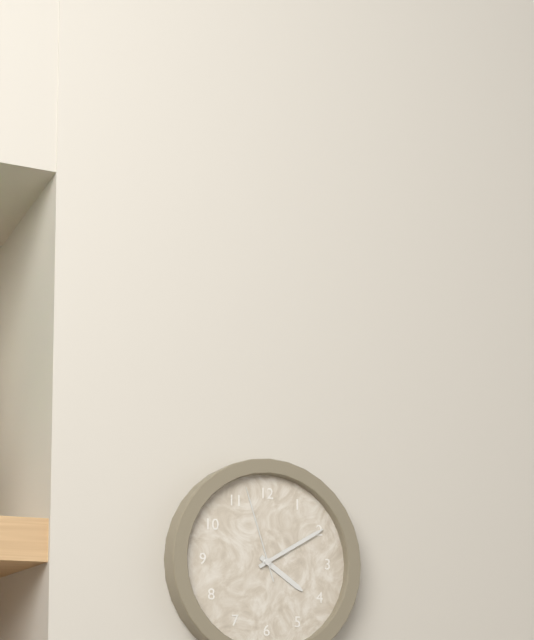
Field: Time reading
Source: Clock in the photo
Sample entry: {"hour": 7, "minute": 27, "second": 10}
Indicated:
{"hour": 4, "minute": 10, "second": 57}
